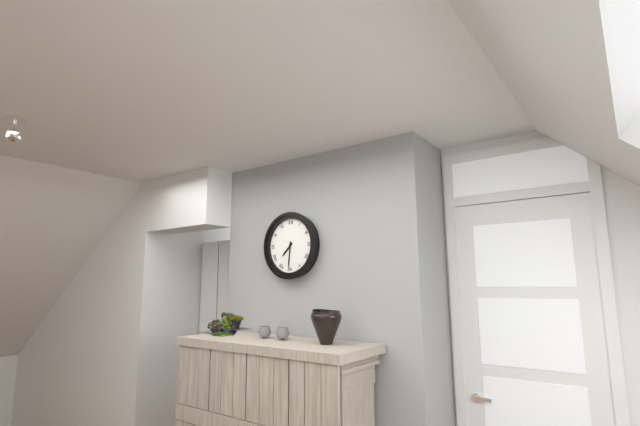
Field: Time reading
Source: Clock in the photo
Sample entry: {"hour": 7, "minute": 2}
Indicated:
{"hour": 7, "minute": 31}
